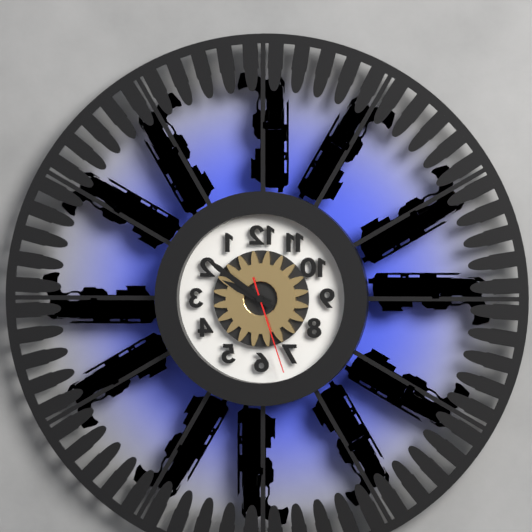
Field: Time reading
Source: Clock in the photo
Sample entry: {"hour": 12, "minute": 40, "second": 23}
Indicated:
{"hour": 9, "minute": 51, "second": 27}
